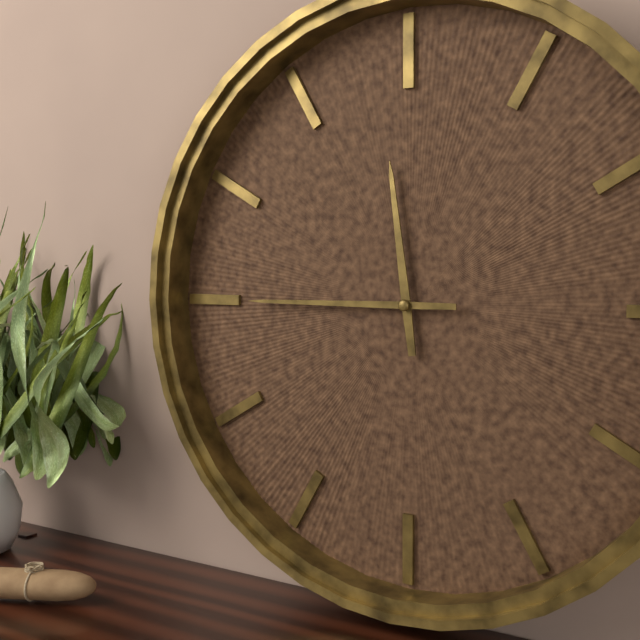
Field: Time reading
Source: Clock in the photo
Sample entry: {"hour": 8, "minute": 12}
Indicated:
{"hour": 11, "minute": 45}
